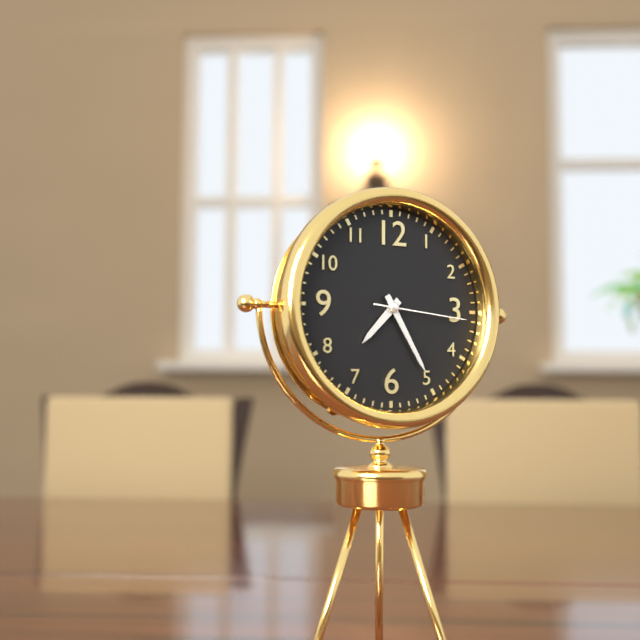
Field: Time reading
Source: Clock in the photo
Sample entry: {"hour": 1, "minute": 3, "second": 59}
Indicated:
{"hour": 7, "minute": 25, "second": 16}
